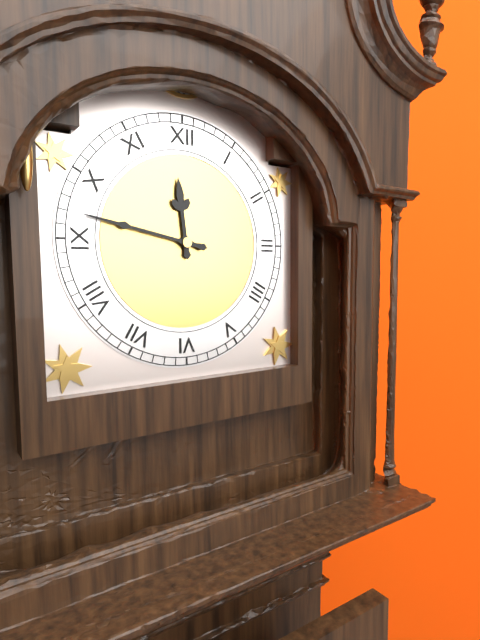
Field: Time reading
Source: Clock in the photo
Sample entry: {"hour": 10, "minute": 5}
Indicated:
{"hour": 11, "minute": 47}
